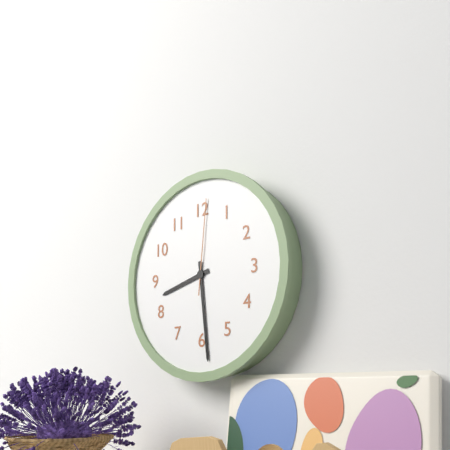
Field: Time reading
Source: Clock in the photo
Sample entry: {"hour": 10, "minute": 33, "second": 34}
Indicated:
{"hour": 8, "minute": 29, "second": 1}
